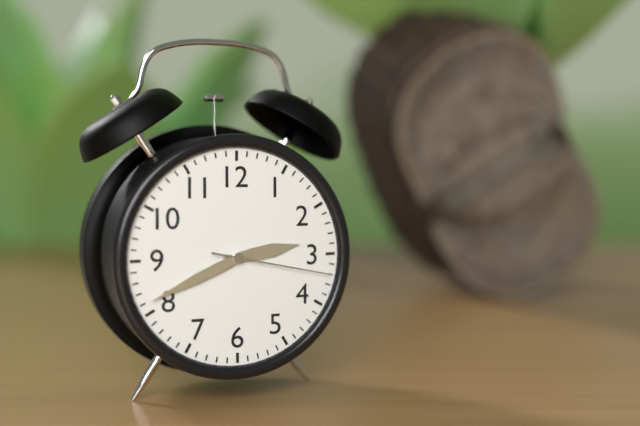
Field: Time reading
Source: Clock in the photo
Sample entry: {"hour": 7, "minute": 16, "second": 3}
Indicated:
{"hour": 2, "minute": 41, "second": 17}
